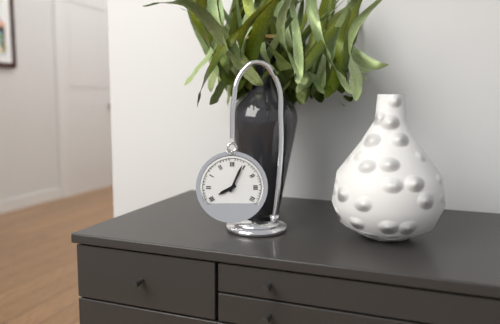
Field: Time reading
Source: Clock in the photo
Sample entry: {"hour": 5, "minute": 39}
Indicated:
{"hour": 8, "minute": 4}
